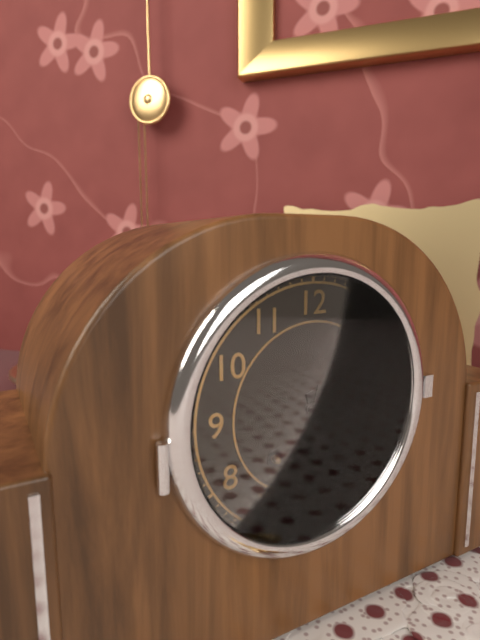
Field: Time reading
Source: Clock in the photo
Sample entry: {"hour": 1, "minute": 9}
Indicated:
{"hour": 5, "minute": 33}
